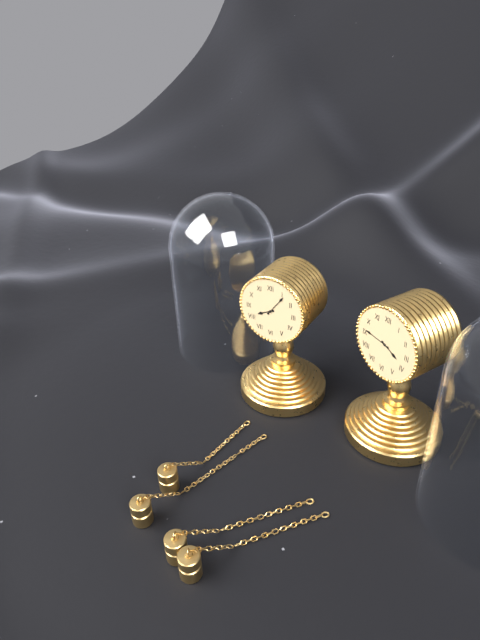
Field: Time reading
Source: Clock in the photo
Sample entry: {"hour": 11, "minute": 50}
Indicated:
{"hour": 8, "minute": 6}
